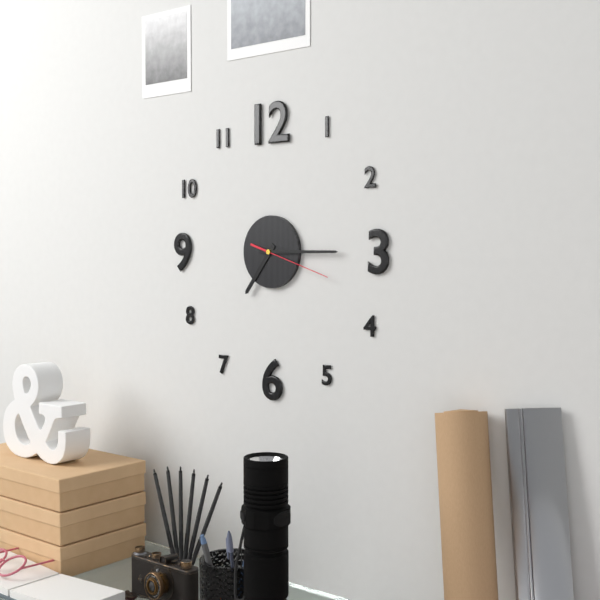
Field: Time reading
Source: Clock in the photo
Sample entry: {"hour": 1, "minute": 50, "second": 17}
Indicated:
{"hour": 7, "minute": 15, "second": 18}
